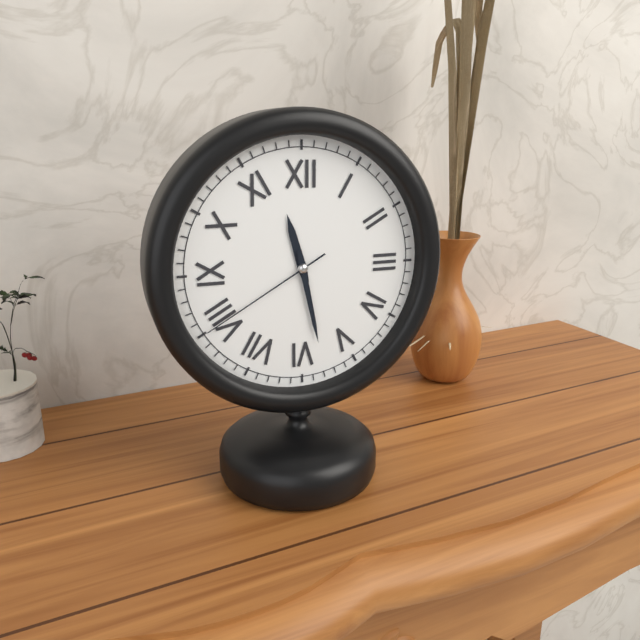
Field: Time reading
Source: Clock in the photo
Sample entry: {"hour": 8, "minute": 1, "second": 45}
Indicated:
{"hour": 11, "minute": 28, "second": 40}
